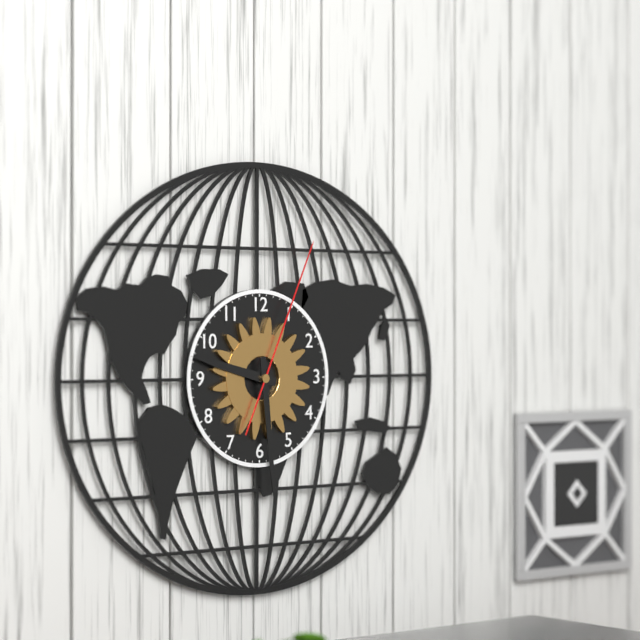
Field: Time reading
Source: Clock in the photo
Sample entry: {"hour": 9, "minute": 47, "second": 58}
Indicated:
{"hour": 9, "minute": 29, "second": 4}
